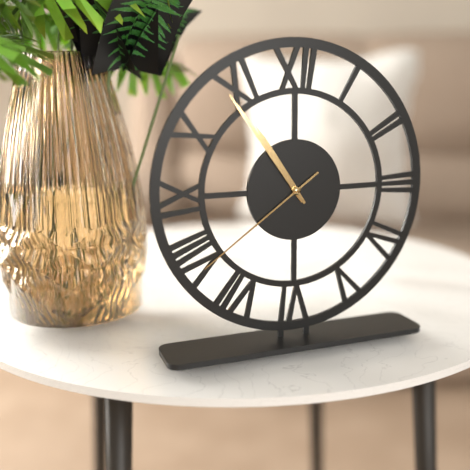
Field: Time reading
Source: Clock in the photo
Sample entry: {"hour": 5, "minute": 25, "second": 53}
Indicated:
{"hour": 10, "minute": 54, "second": 39}
